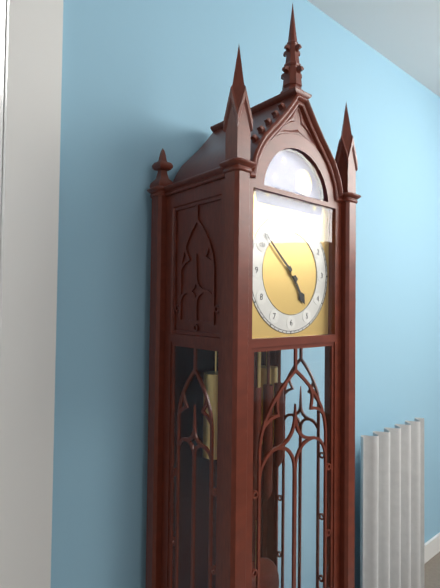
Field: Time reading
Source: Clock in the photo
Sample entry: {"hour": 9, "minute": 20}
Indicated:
{"hour": 4, "minute": 52}
